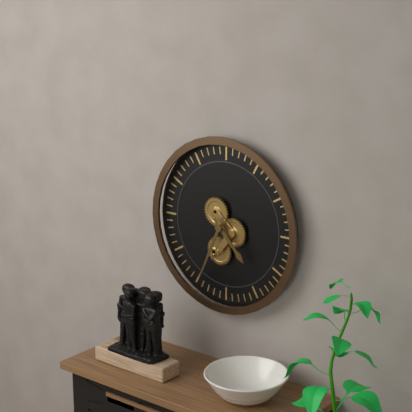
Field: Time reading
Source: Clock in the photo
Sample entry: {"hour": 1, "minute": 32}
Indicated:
{"hour": 4, "minute": 34}
